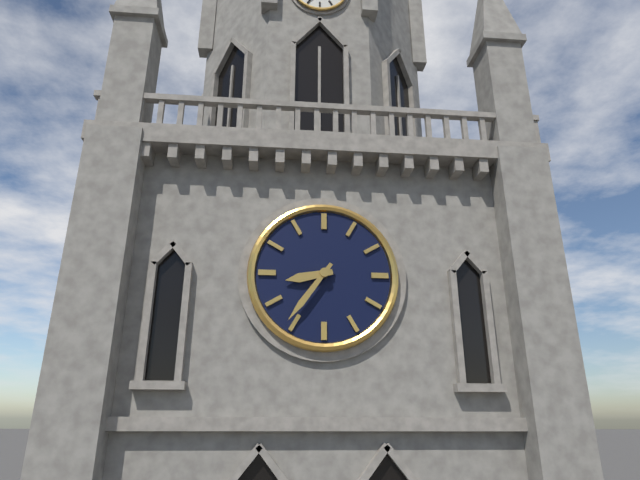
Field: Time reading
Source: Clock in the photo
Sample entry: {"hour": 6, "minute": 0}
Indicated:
{"hour": 8, "minute": 36}
